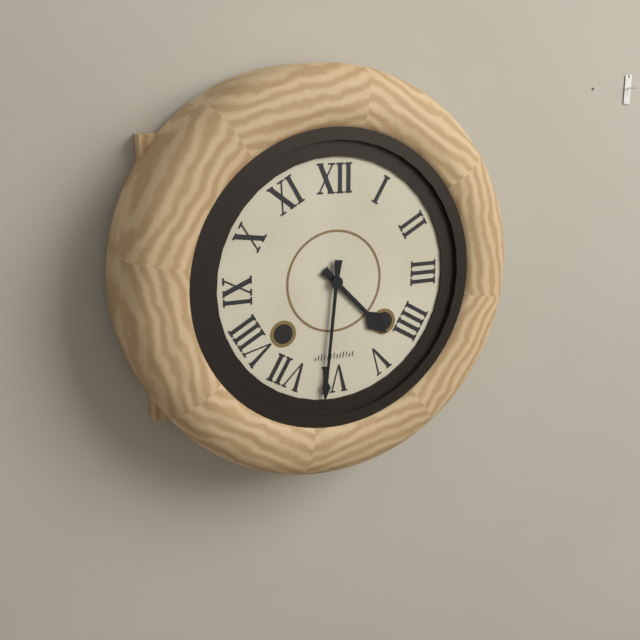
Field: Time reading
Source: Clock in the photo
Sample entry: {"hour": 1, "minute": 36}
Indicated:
{"hour": 4, "minute": 31}
